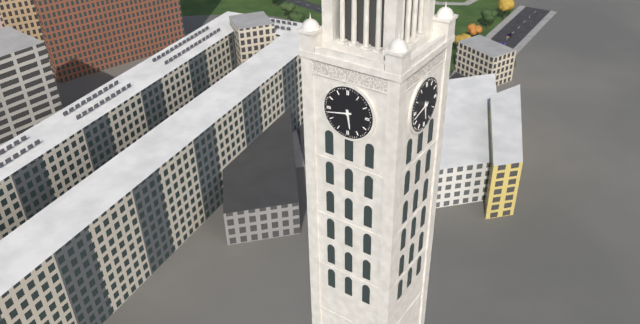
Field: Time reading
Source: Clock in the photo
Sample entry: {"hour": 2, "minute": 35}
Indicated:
{"hour": 5, "minute": 43}
